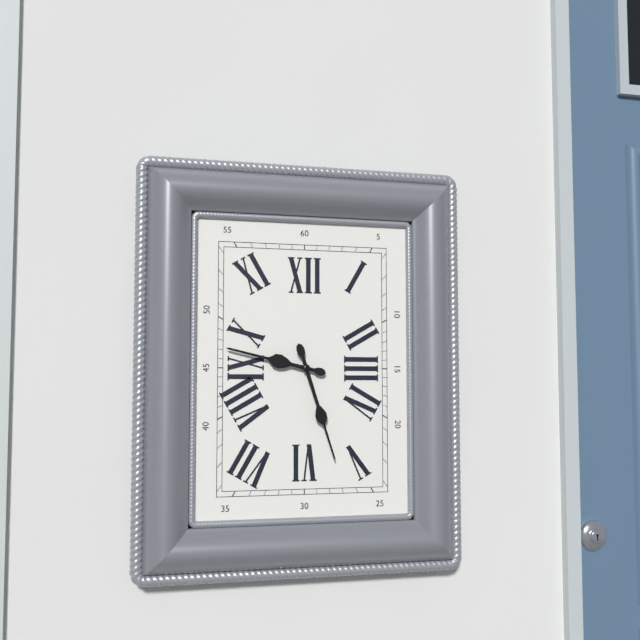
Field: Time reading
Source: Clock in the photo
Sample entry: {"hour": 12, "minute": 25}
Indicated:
{"hour": 9, "minute": 27}
